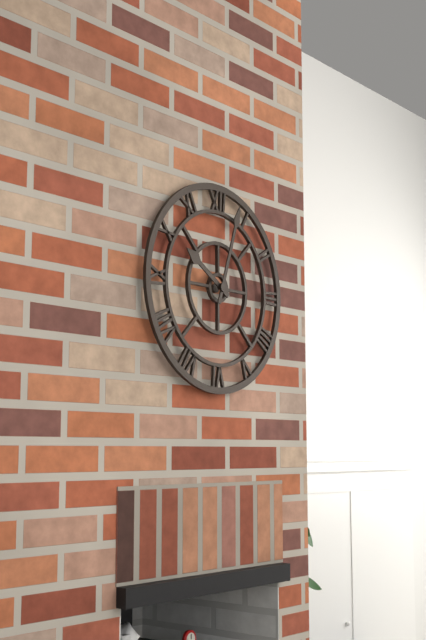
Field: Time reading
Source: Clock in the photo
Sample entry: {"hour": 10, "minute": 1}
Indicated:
{"hour": 10, "minute": 3}
